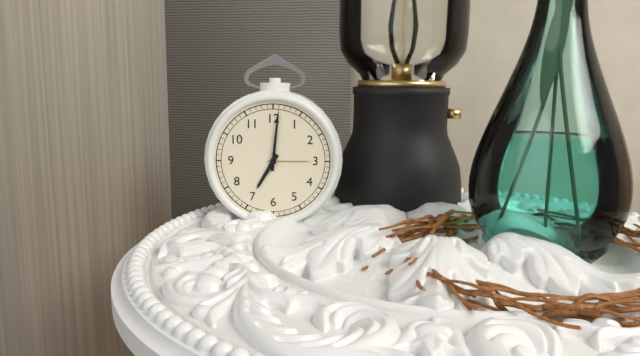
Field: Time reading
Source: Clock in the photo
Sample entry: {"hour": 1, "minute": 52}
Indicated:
{"hour": 7, "minute": 1}
